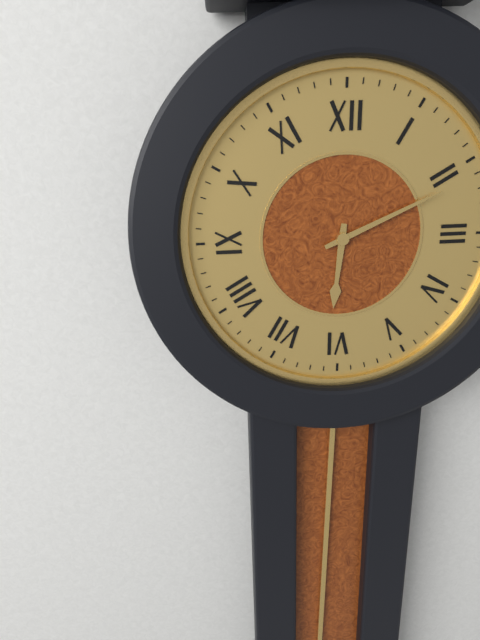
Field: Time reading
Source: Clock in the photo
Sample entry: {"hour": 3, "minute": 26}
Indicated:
{"hour": 6, "minute": 11}
